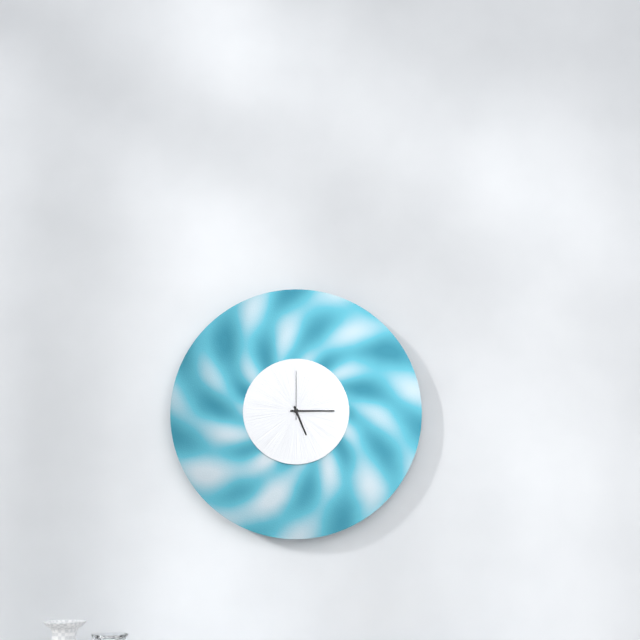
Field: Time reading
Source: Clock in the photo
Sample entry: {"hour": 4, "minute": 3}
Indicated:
{"hour": 5, "minute": 15}
